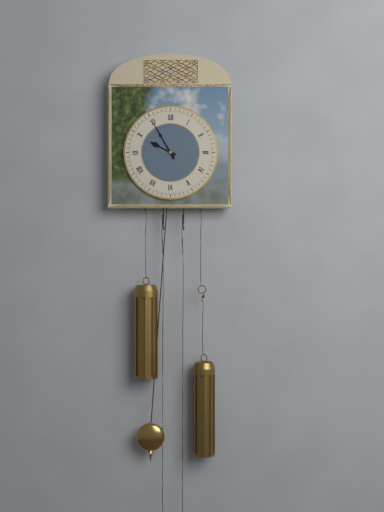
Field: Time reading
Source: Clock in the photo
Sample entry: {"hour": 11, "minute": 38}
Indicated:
{"hour": 9, "minute": 55}
